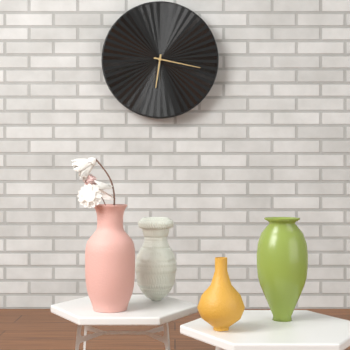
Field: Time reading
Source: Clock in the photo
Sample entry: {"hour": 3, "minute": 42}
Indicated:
{"hour": 6, "minute": 17}
